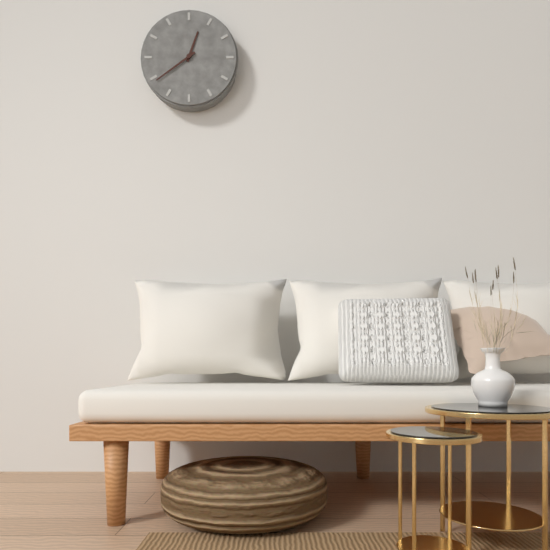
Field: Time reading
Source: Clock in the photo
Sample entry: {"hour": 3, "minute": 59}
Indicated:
{"hour": 12, "minute": 39}
